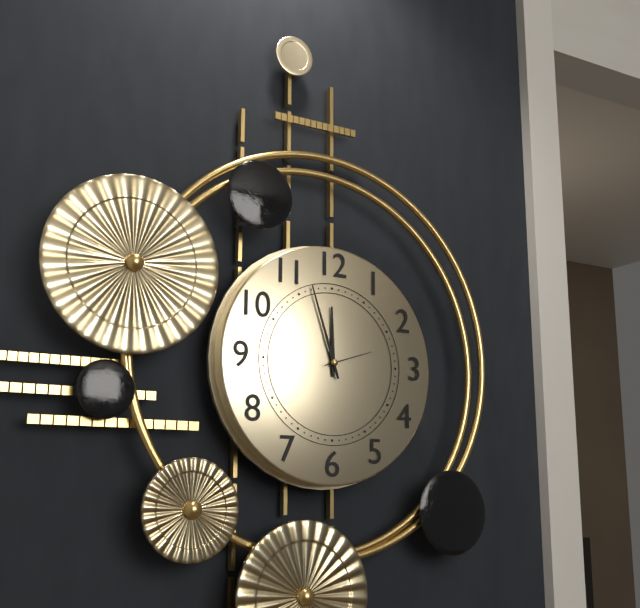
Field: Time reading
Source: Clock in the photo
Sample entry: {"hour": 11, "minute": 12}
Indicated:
{"hour": 11, "minute": 57}
